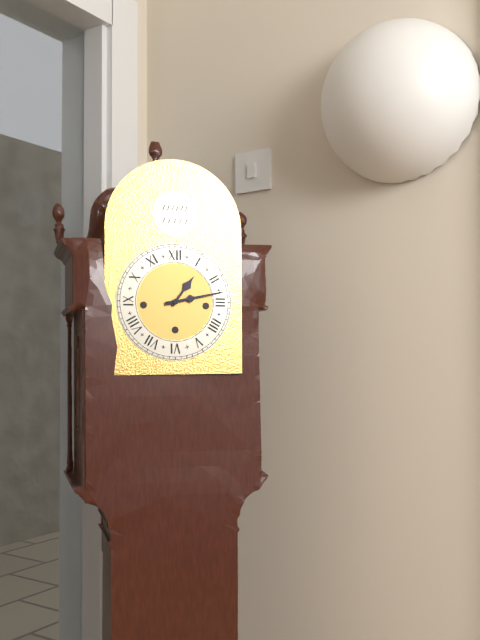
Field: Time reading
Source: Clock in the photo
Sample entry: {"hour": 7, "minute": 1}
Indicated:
{"hour": 1, "minute": 13}
